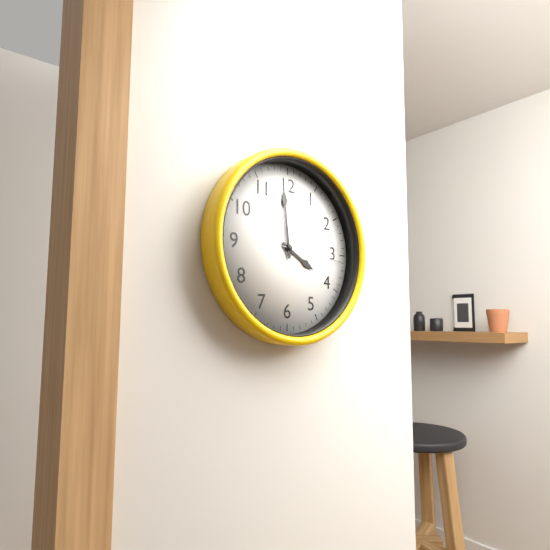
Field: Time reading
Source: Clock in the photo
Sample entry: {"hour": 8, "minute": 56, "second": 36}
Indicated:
{"hour": 3, "minute": 59, "second": 16}
